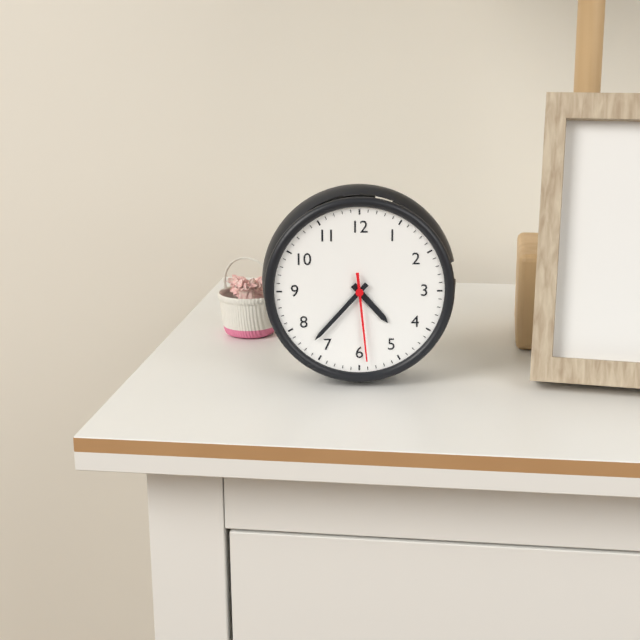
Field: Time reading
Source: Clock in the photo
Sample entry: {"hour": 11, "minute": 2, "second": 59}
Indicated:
{"hour": 4, "minute": 37, "second": 29}
